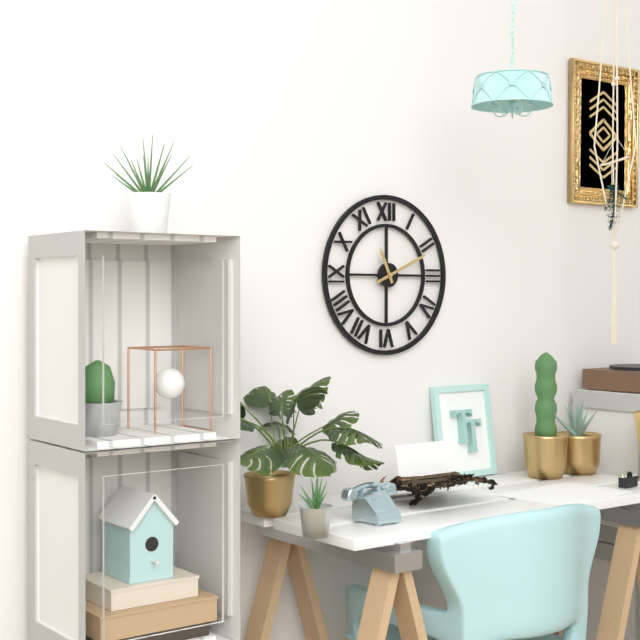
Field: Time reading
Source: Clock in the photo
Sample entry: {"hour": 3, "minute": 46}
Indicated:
{"hour": 11, "minute": 11}
